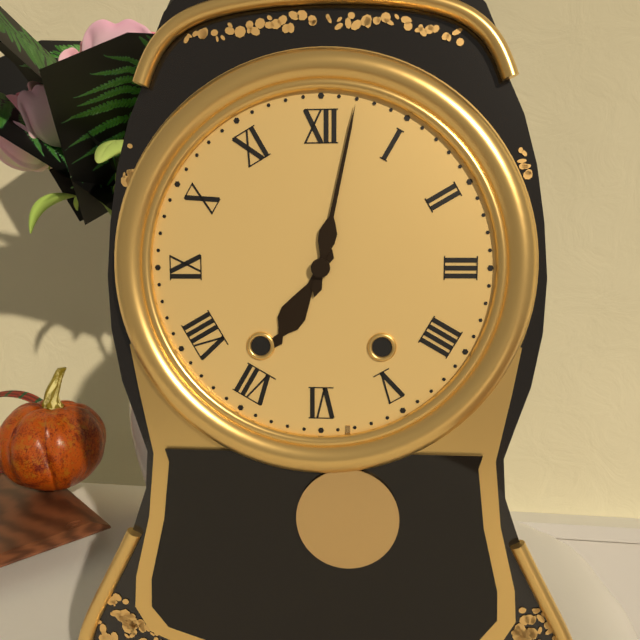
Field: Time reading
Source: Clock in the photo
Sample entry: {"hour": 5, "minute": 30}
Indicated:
{"hour": 7, "minute": 2}
